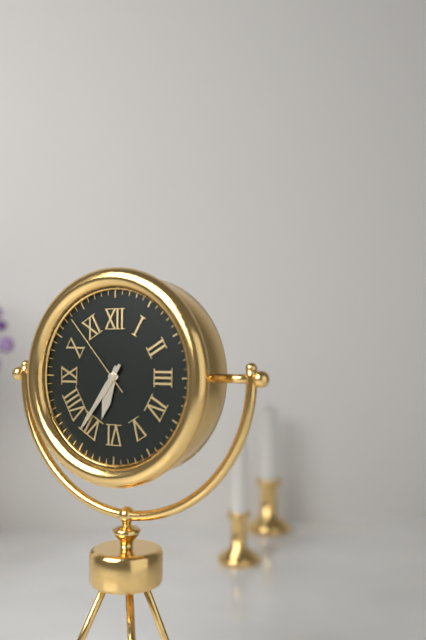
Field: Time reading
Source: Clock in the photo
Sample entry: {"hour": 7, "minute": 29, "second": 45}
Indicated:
{"hour": 6, "minute": 36, "second": 53}
